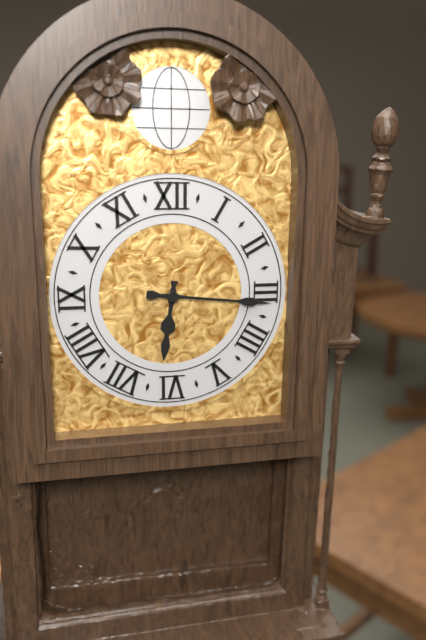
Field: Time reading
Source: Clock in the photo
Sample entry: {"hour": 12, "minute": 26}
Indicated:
{"hour": 6, "minute": 16}
